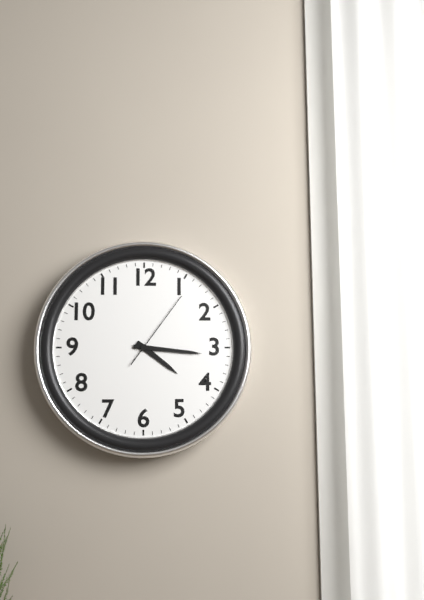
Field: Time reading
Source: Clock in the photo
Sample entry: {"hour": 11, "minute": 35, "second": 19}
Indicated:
{"hour": 4, "minute": 16, "second": 6}
